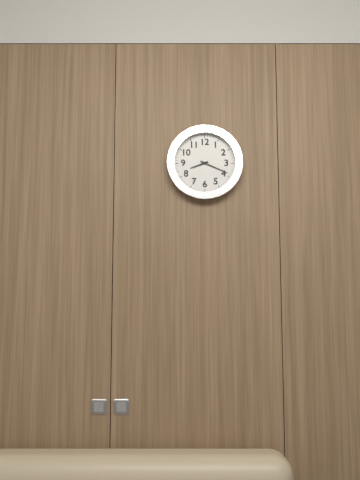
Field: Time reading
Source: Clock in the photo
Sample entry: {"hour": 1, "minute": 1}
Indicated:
{"hour": 8, "minute": 19}
